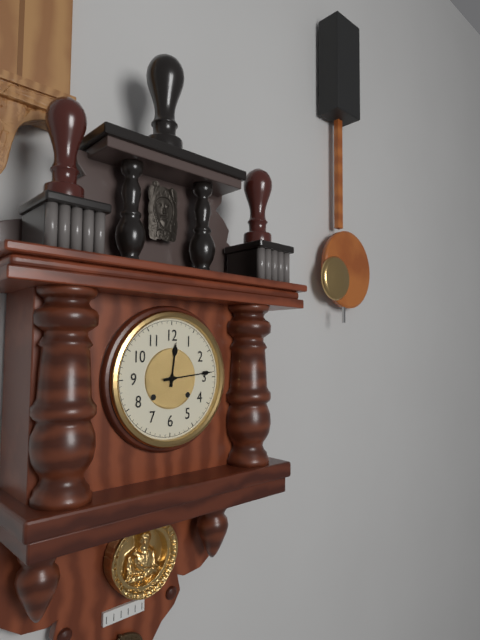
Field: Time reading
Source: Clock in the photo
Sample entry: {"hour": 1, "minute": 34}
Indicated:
{"hour": 12, "minute": 14}
